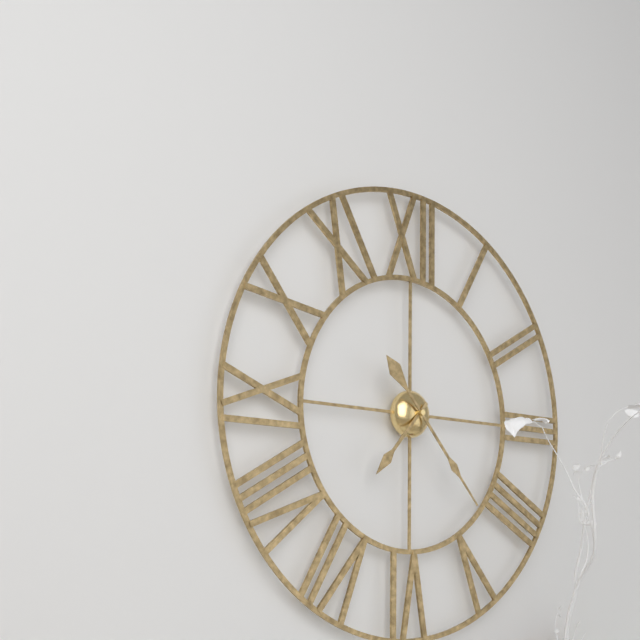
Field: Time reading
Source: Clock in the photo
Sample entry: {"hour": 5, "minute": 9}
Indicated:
{"hour": 7, "minute": 23}
